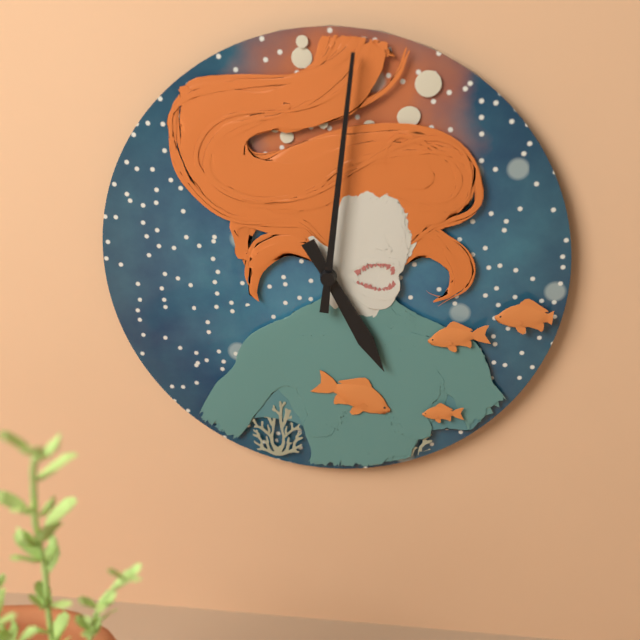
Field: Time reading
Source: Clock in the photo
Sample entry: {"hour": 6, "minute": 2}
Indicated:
{"hour": 5, "minute": 1}
